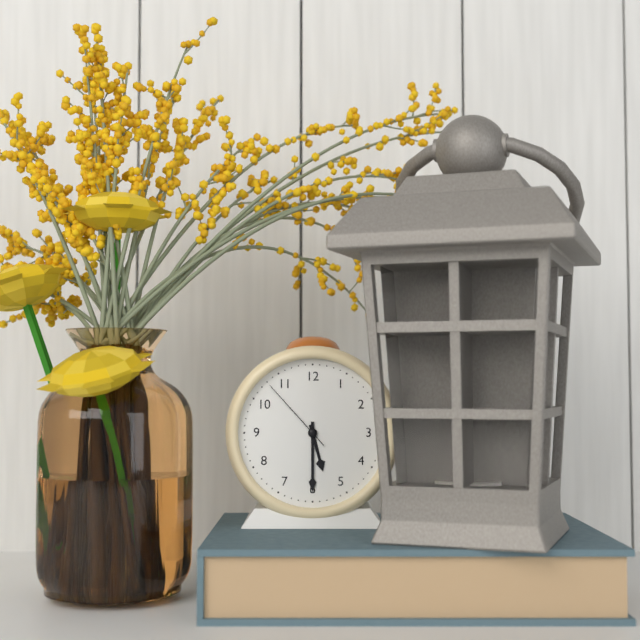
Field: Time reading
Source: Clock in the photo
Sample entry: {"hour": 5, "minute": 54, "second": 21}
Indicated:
{"hour": 5, "minute": 30, "second": 53}
